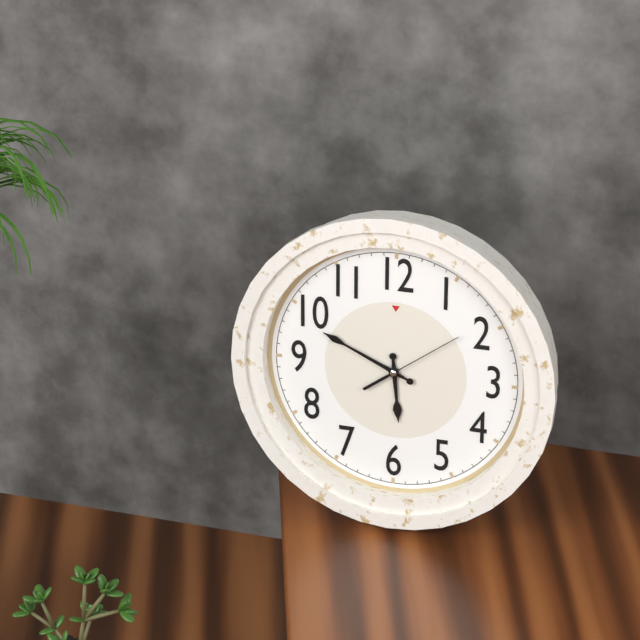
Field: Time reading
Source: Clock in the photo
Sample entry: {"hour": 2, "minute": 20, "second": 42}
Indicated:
{"hour": 5, "minute": 49, "second": 9}
